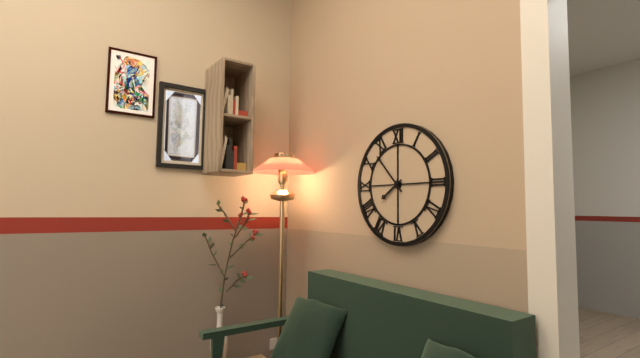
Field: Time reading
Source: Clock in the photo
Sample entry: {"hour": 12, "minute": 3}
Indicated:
{"hour": 7, "minute": 53}
